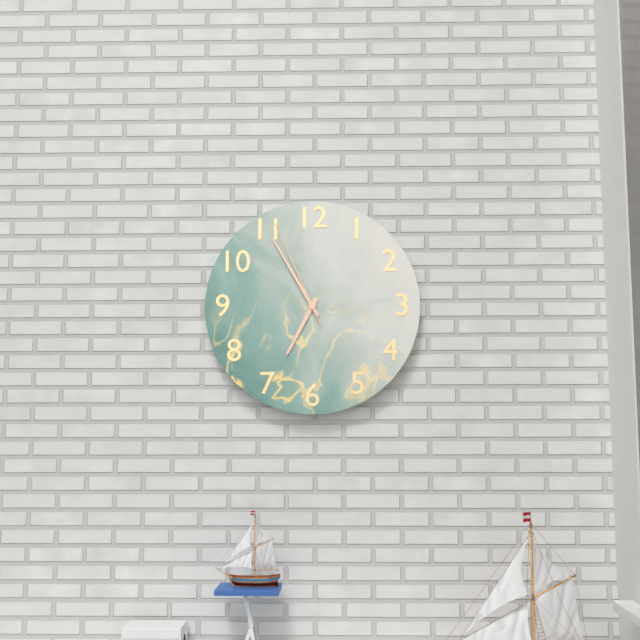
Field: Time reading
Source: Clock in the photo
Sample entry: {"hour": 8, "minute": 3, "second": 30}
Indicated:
{"hour": 6, "minute": 55, "second": 56}
